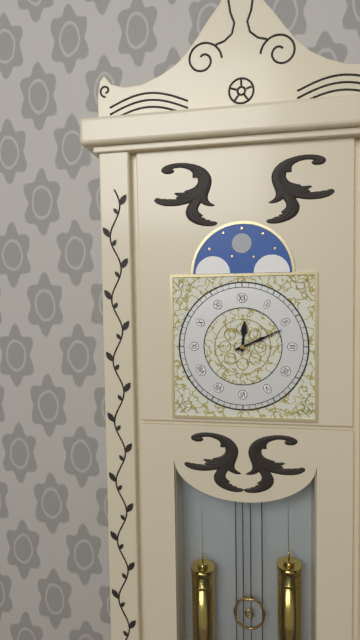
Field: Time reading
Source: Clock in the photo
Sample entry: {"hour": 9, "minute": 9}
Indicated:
{"hour": 12, "minute": 11}
